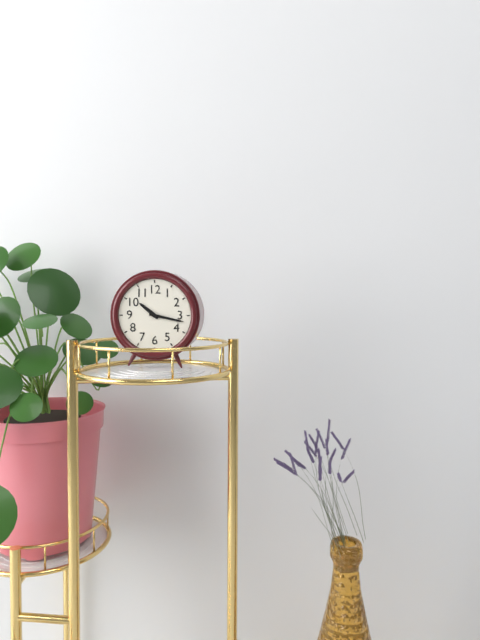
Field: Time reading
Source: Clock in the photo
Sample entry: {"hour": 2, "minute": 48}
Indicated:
{"hour": 10, "minute": 17}
